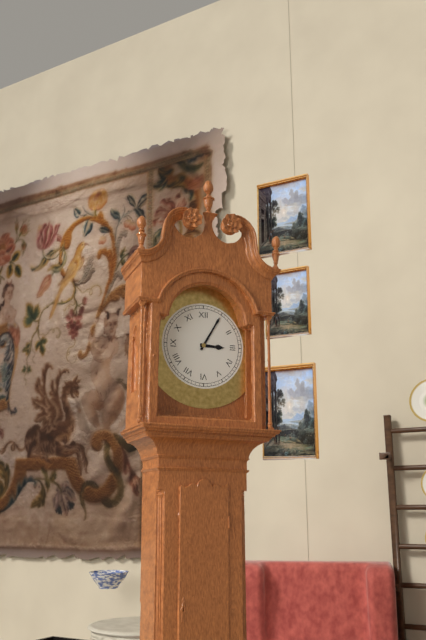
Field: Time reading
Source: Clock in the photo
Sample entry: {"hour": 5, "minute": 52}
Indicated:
{"hour": 3, "minute": 5}
